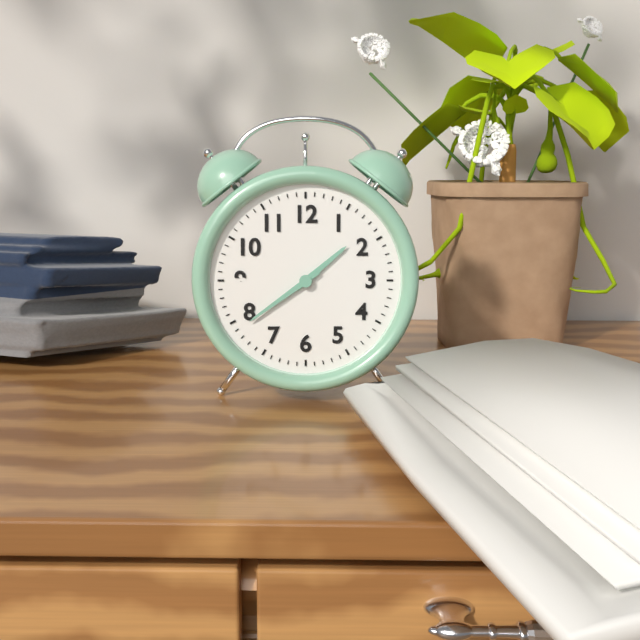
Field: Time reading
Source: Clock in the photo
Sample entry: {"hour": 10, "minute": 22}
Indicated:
{"hour": 1, "minute": 39}
